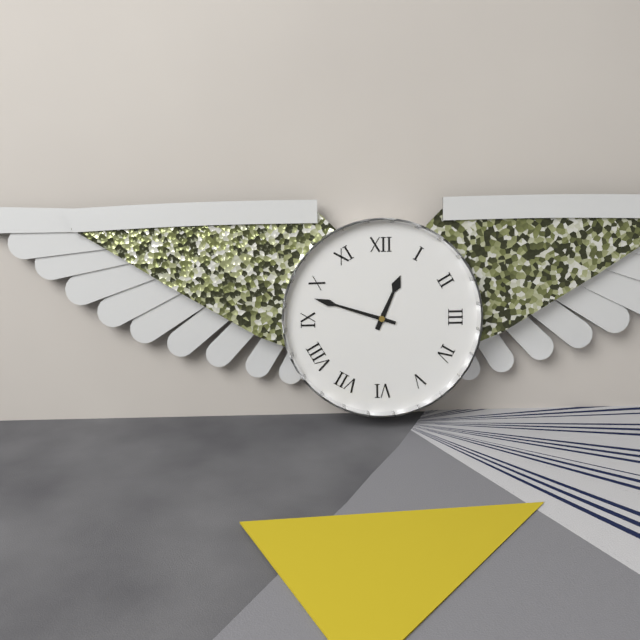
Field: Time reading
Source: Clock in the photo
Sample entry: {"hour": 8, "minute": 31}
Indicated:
{"hour": 12, "minute": 48}
